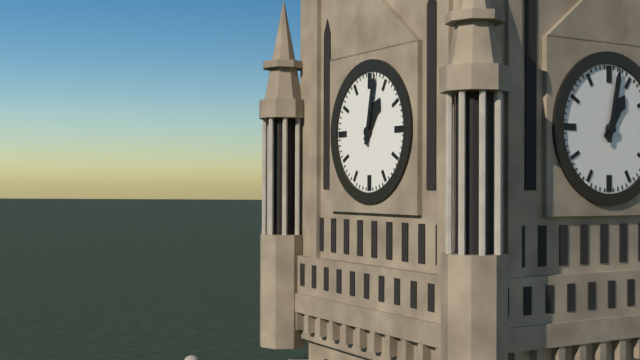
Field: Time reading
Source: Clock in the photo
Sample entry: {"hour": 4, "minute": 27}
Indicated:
{"hour": 1, "minute": 2}
